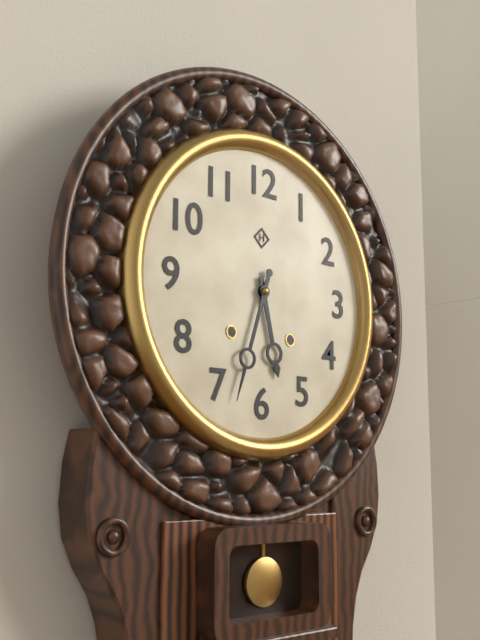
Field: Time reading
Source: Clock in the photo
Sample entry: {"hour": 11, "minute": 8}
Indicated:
{"hour": 5, "minute": 33}
